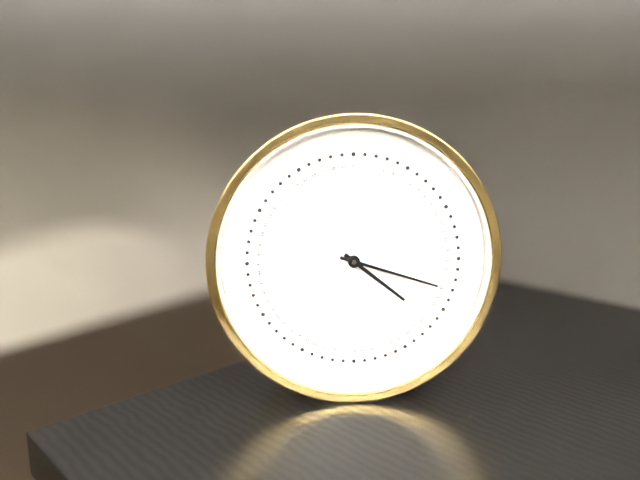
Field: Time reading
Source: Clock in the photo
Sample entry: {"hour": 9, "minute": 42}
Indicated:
{"hour": 4, "minute": 18}
